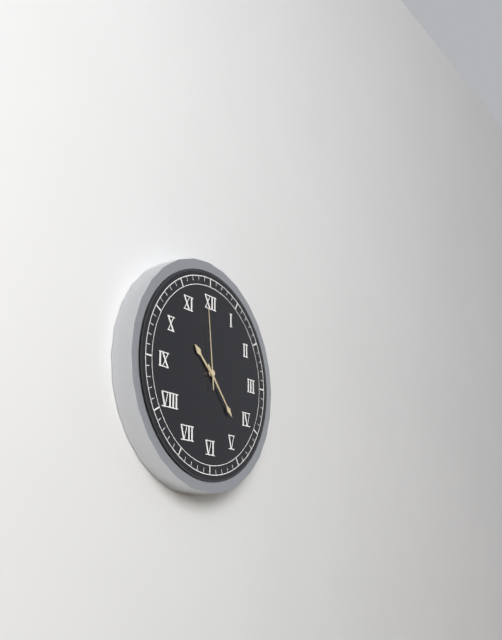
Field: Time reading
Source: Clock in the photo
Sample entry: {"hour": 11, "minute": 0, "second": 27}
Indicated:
{"hour": 10, "minute": 23, "second": 59}
